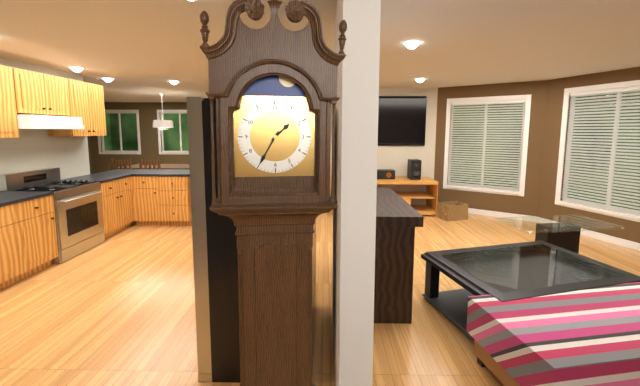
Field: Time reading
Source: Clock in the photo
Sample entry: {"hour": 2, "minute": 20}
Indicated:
{"hour": 1, "minute": 35}
